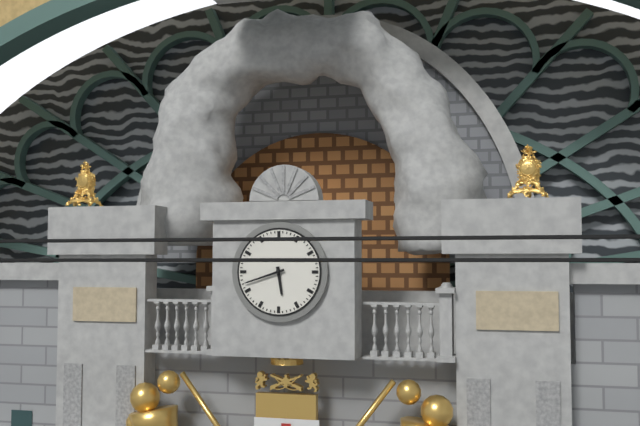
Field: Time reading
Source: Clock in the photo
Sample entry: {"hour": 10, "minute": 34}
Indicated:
{"hour": 5, "minute": 42}
